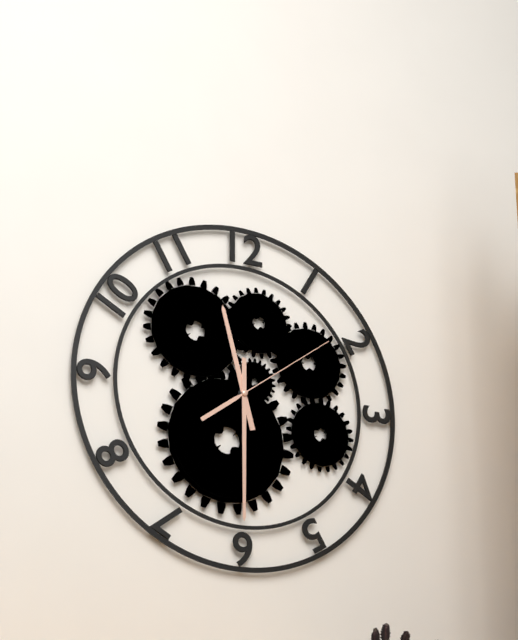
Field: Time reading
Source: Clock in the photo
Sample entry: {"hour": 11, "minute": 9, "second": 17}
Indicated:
{"hour": 11, "minute": 30, "second": 9}
